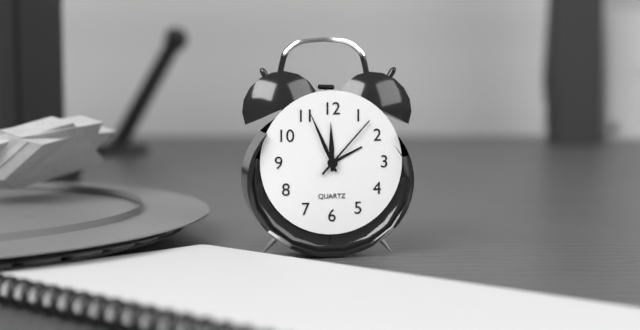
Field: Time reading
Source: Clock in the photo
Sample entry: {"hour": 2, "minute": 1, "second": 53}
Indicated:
{"hour": 11, "minute": 56, "second": 7}
